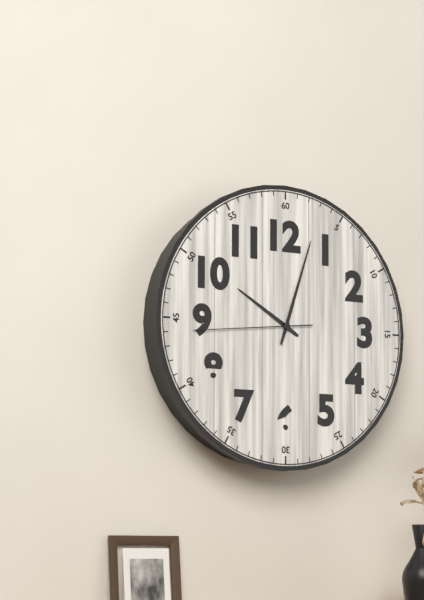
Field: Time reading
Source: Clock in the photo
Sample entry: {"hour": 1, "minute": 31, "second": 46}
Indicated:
{"hour": 10, "minute": 3, "second": 44}
